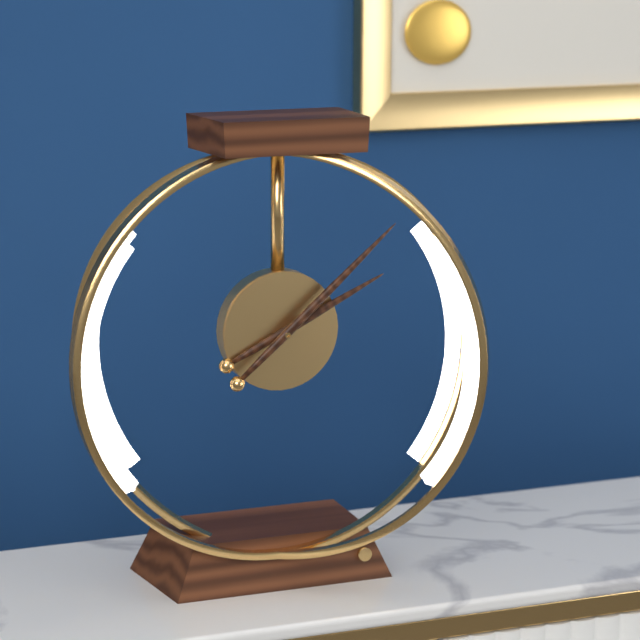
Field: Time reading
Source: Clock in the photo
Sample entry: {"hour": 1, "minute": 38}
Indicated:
{"hour": 2, "minute": 8}
